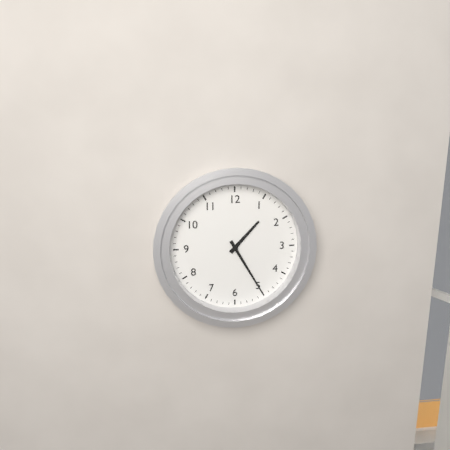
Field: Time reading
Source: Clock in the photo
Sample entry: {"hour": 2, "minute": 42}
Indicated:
{"hour": 1, "minute": 25}
